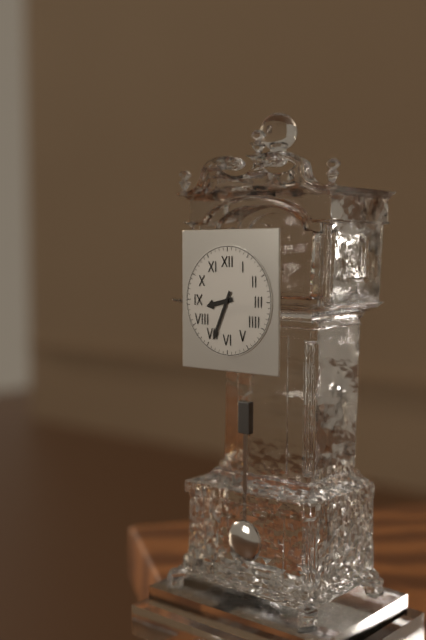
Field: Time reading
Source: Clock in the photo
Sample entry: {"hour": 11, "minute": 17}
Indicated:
{"hour": 8, "minute": 34}
